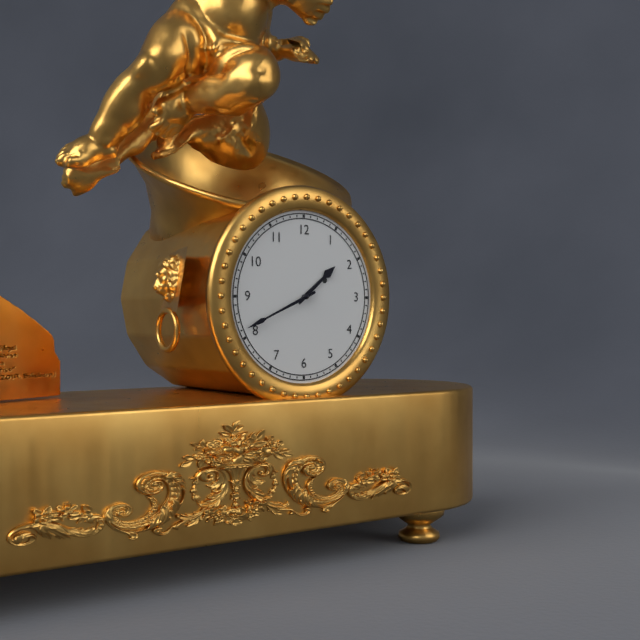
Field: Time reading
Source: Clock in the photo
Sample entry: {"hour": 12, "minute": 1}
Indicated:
{"hour": 1, "minute": 41}
